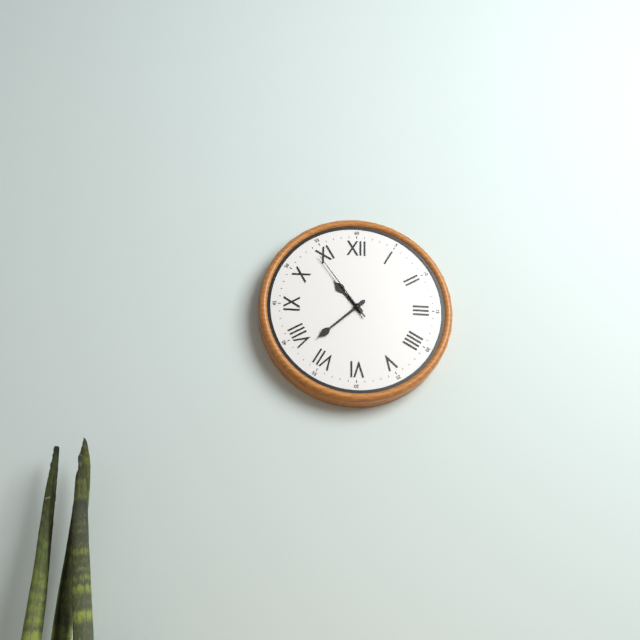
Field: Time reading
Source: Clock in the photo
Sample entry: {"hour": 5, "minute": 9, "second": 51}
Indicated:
{"hour": 10, "minute": 38, "second": 54}
